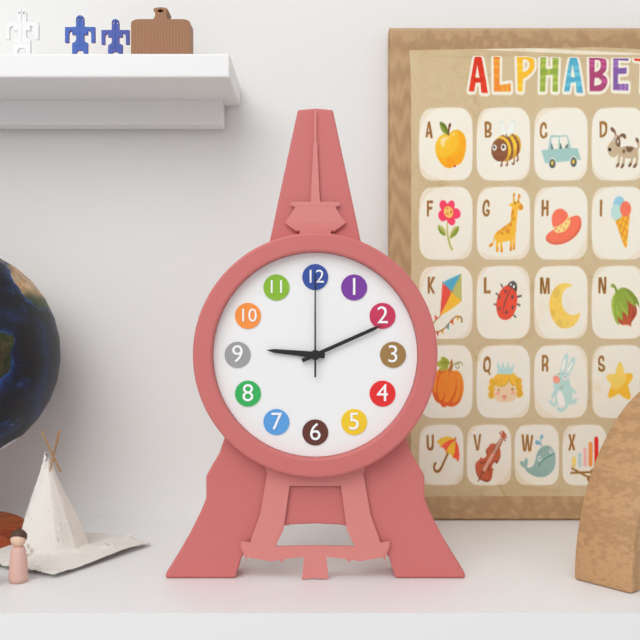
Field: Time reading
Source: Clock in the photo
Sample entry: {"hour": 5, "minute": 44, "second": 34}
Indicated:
{"hour": 9, "minute": 11, "second": 0}
